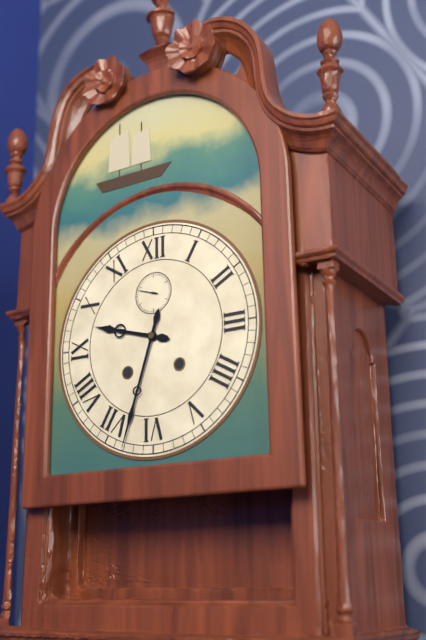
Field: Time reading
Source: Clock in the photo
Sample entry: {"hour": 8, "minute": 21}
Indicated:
{"hour": 9, "minute": 33}
